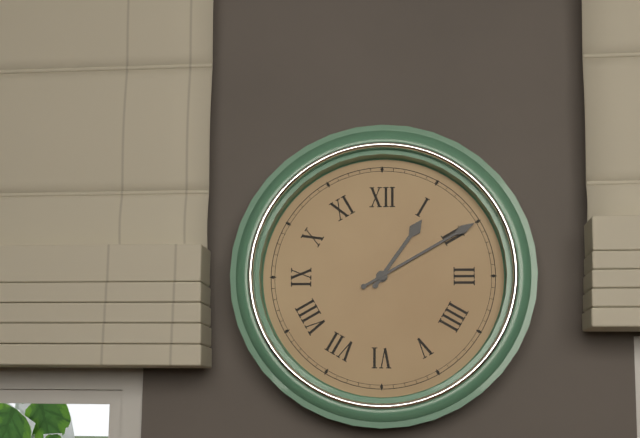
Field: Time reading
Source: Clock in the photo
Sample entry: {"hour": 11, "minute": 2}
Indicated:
{"hour": 1, "minute": 10}
